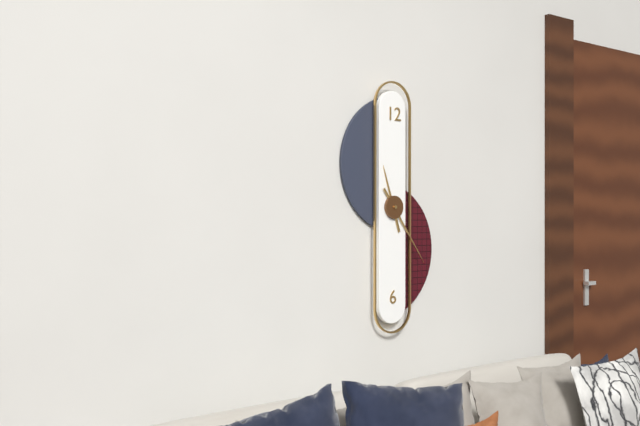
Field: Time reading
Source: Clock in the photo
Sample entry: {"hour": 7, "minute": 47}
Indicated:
{"hour": 11, "minute": 24}
